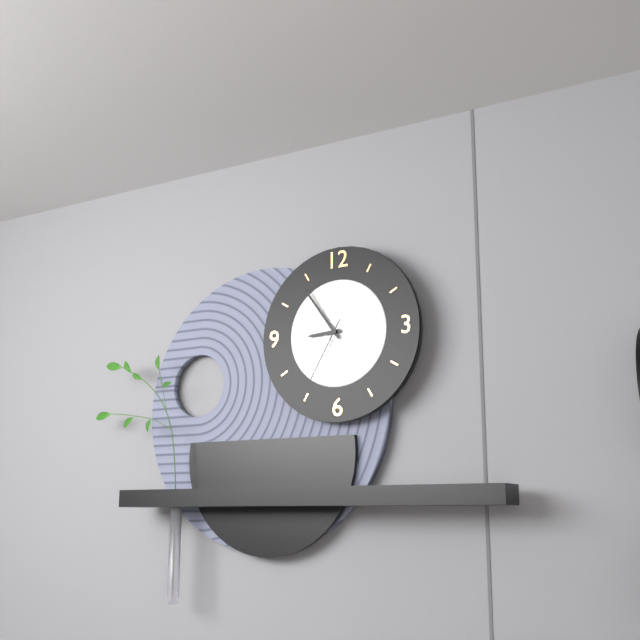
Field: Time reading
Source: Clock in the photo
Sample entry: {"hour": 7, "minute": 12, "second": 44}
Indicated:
{"hour": 8, "minute": 54, "second": 35}
